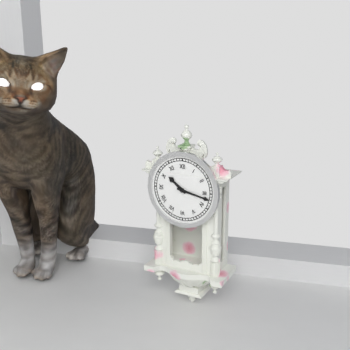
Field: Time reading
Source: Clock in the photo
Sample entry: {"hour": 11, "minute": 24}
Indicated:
{"hour": 10, "minute": 17}
